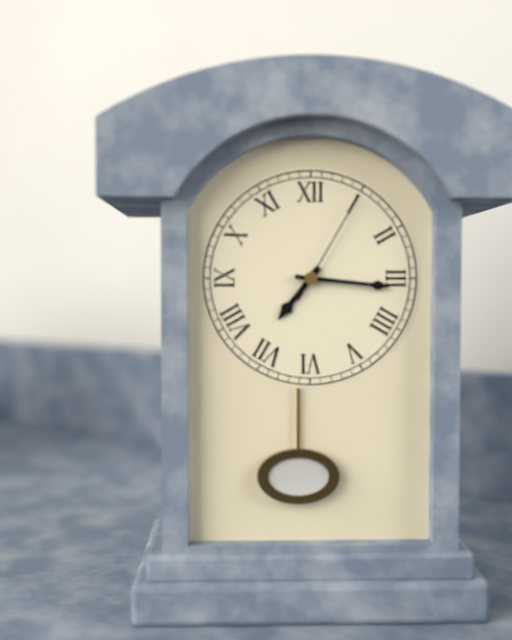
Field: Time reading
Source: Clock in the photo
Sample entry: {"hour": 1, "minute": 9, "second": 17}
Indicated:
{"hour": 7, "minute": 16, "second": 5}
